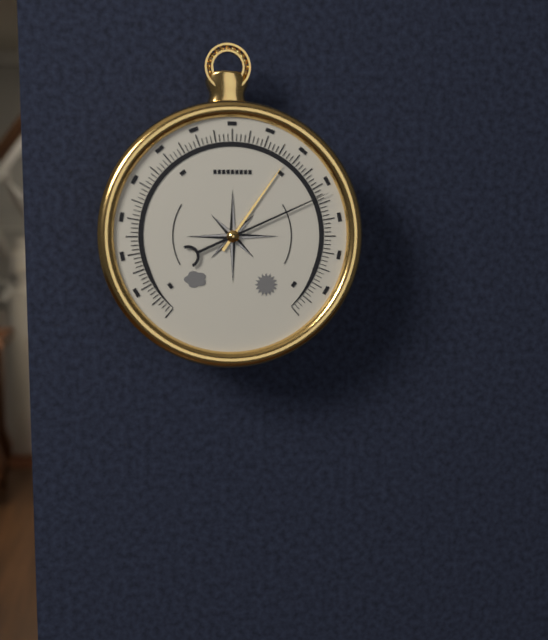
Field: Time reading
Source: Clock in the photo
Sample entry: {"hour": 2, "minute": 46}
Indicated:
{"hour": 1, "minute": 11}
